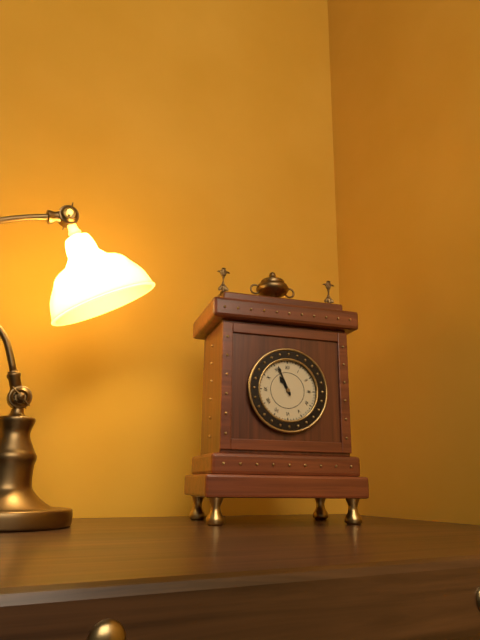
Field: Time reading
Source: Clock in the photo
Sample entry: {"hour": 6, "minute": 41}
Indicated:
{"hour": 10, "minute": 56}
